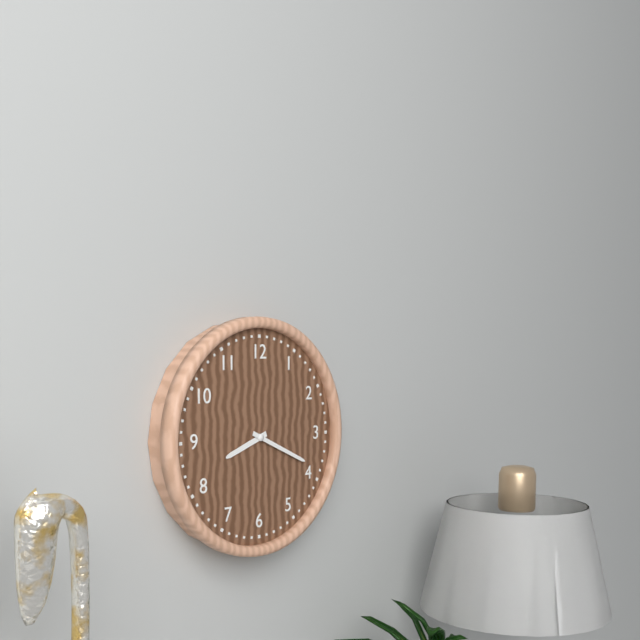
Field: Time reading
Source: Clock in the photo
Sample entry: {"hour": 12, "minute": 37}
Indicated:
{"hour": 8, "minute": 19}
